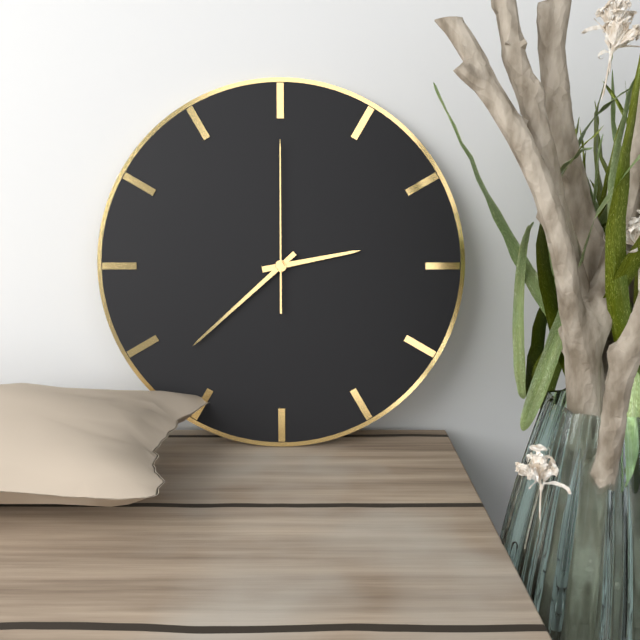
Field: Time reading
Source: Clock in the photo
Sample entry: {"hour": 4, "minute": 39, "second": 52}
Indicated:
{"hour": 2, "minute": 38, "second": 0}
